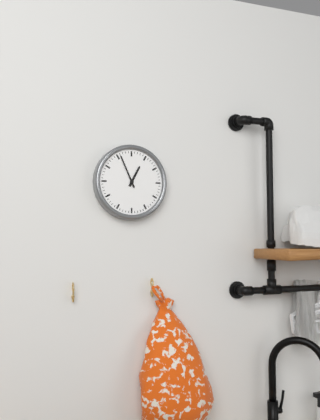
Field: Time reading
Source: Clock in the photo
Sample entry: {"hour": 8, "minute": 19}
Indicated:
{"hour": 12, "minute": 56}
